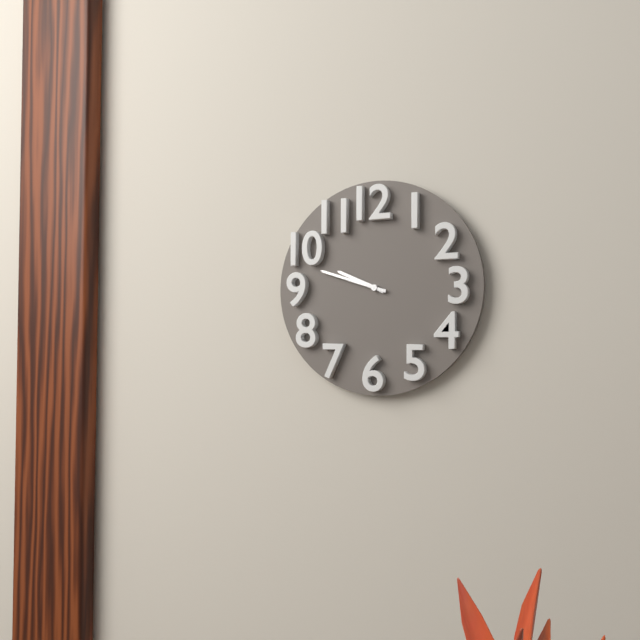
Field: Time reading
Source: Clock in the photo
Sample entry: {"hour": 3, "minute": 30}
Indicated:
{"hour": 9, "minute": 48}
